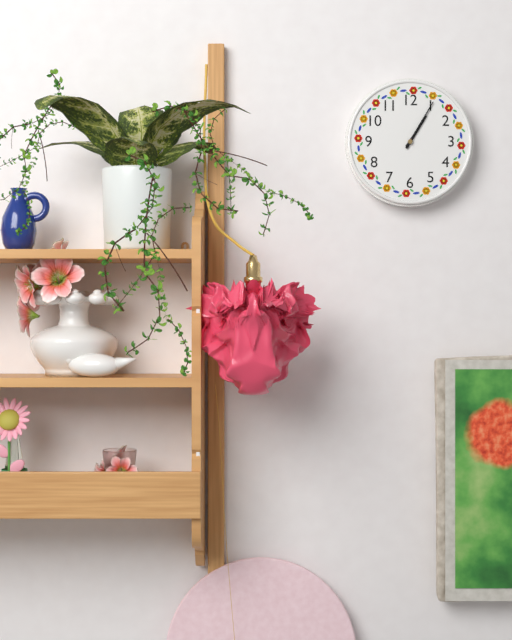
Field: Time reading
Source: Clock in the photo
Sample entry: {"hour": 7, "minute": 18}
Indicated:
{"hour": 1, "minute": 5}
